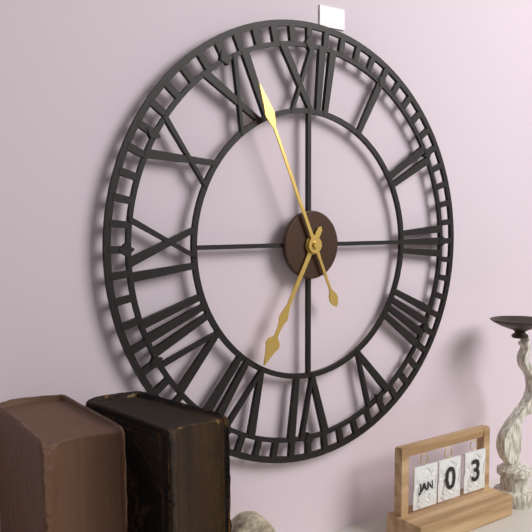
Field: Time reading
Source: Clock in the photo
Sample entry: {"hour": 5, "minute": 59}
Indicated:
{"hour": 6, "minute": 56}
